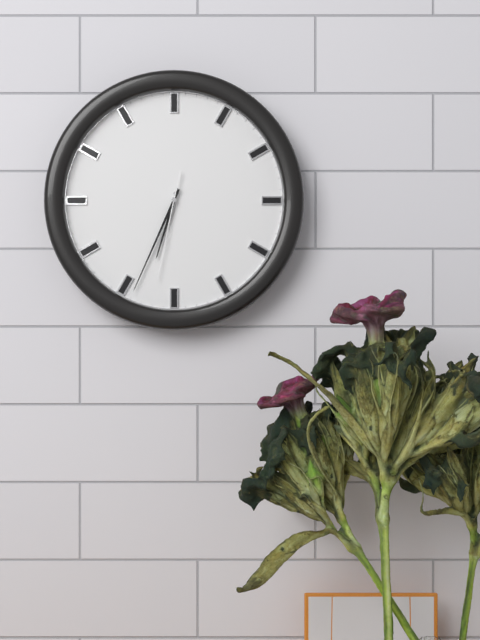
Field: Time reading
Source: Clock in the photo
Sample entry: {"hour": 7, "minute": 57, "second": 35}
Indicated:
{"hour": 6, "minute": 34, "second": 32}
